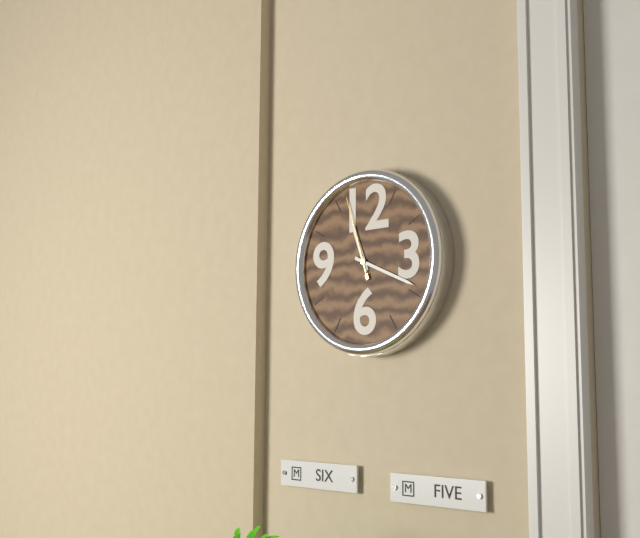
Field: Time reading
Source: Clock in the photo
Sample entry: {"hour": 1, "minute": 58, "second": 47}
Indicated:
{"hour": 11, "minute": 19, "second": 57}
